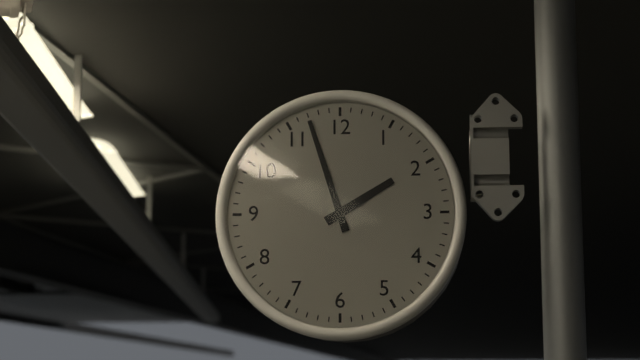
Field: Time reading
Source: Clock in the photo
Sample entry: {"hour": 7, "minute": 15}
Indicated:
{"hour": 1, "minute": 57}
